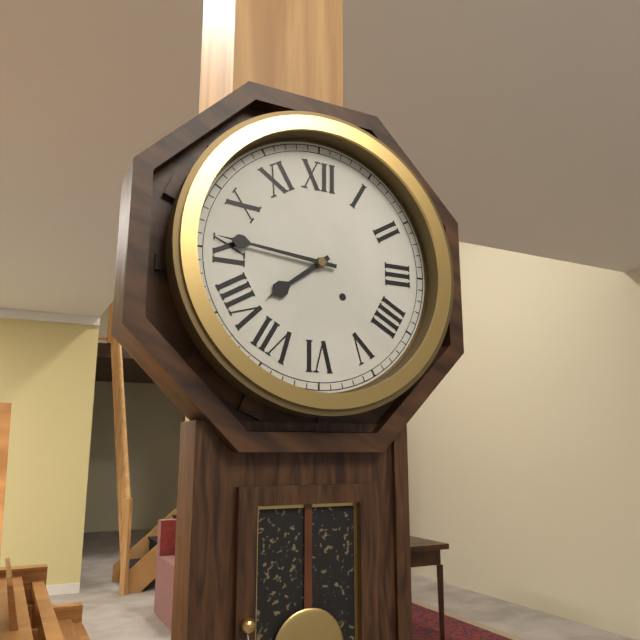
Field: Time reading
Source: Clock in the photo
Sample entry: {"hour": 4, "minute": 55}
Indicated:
{"hour": 7, "minute": 46}
